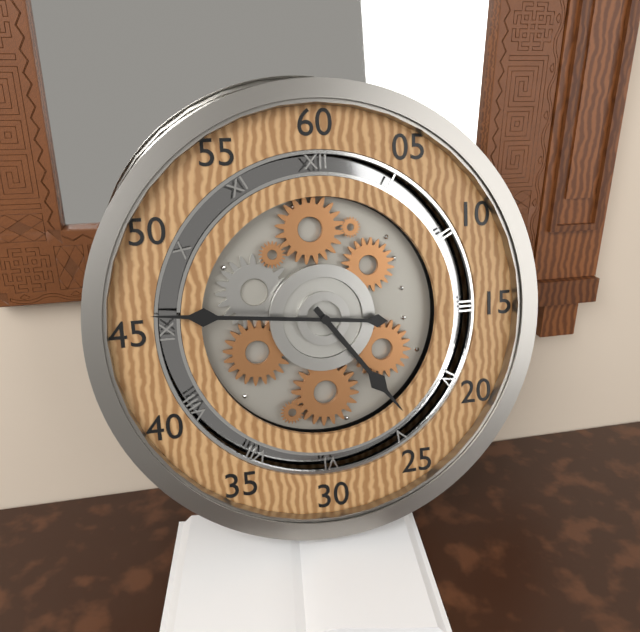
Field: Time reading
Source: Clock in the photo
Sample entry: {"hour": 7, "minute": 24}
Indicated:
{"hour": 4, "minute": 46}
